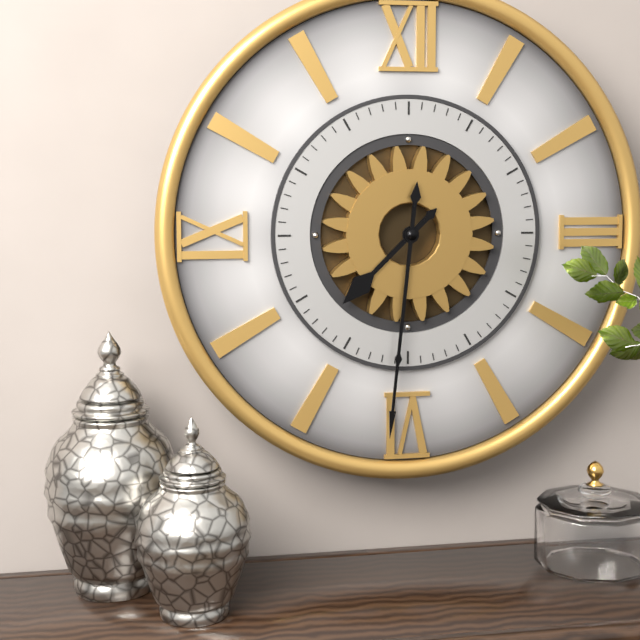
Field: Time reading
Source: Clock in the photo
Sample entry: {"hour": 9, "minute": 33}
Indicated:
{"hour": 7, "minute": 31}
